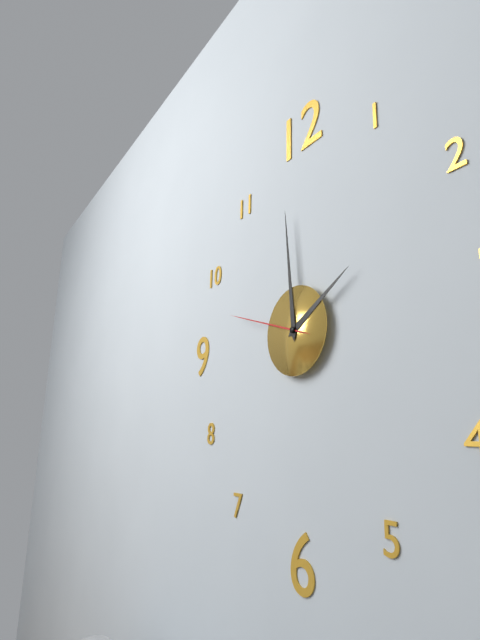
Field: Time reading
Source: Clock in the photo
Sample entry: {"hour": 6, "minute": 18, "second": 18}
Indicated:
{"hour": 1, "minute": 59, "second": 48}
